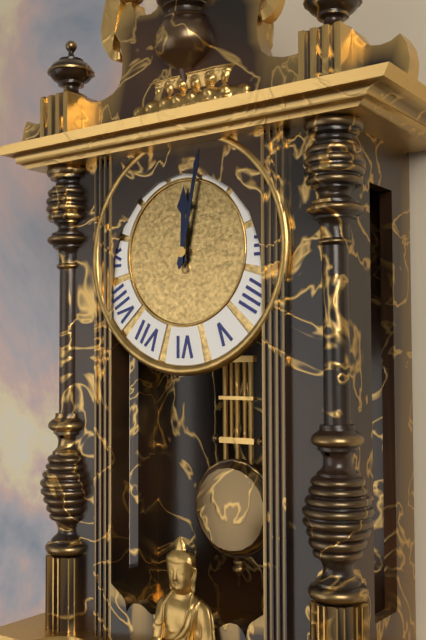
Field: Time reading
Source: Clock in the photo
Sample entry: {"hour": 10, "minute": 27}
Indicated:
{"hour": 12, "minute": 2}
